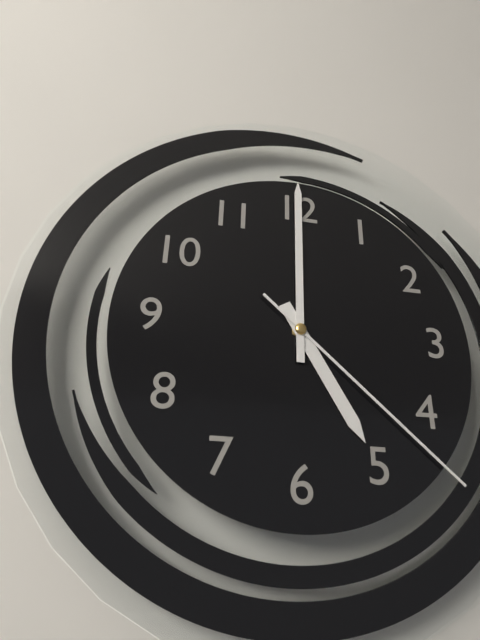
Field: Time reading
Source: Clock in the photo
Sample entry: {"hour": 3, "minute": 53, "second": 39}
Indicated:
{"hour": 5, "minute": 0, "second": 22}
